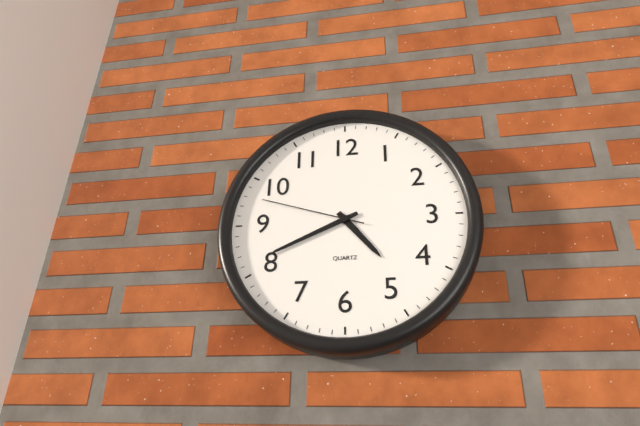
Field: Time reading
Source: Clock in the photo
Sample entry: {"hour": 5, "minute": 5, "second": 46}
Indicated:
{"hour": 4, "minute": 41, "second": 48}
